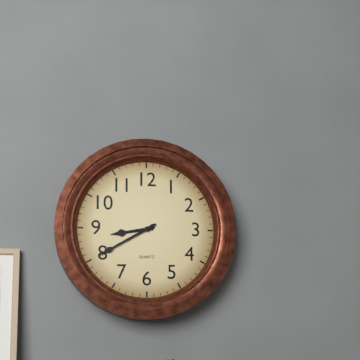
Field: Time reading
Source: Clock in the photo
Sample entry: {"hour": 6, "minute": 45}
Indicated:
{"hour": 8, "minute": 40}
